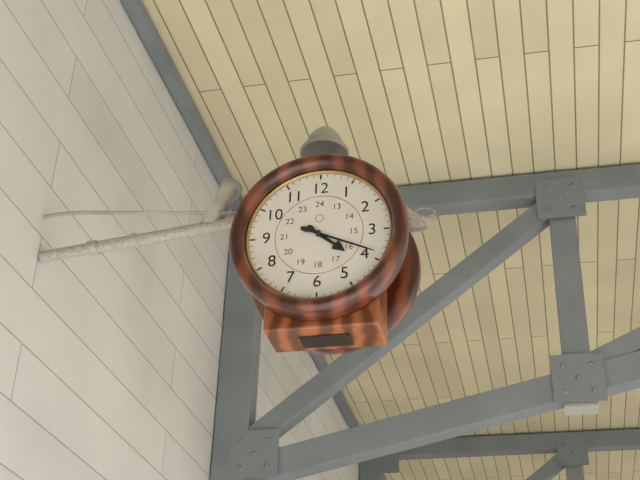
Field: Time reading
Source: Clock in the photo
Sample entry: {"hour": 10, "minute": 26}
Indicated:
{"hour": 4, "minute": 19}
